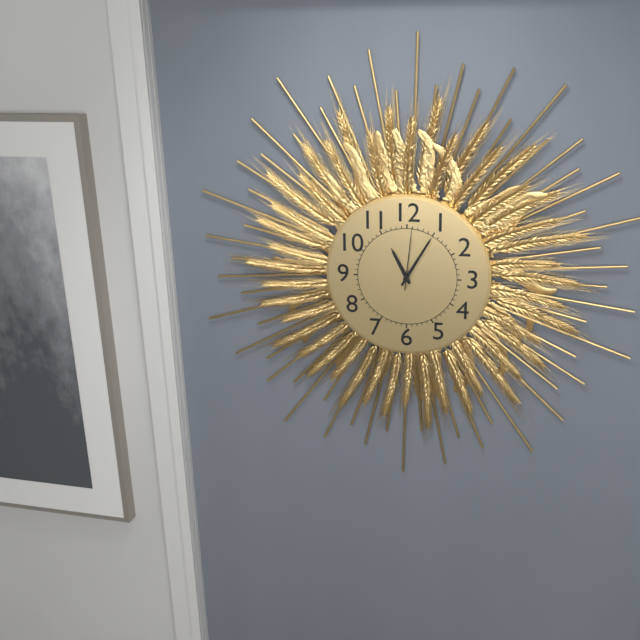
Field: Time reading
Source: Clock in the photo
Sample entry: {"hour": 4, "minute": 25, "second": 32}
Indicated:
{"hour": 11, "minute": 5, "second": 1}
